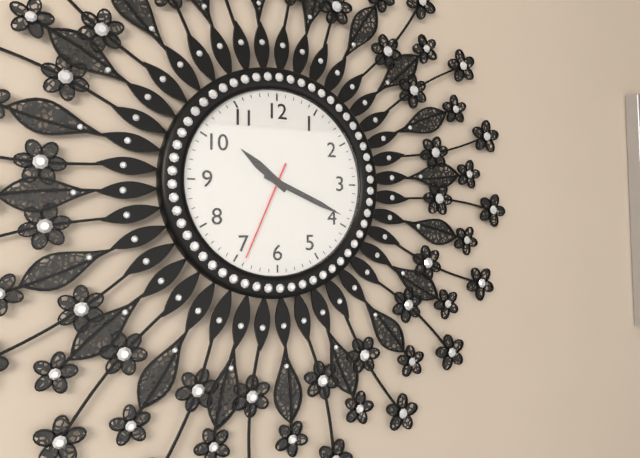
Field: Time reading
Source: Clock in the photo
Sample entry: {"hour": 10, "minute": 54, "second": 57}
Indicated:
{"hour": 10, "minute": 19, "second": 34}
